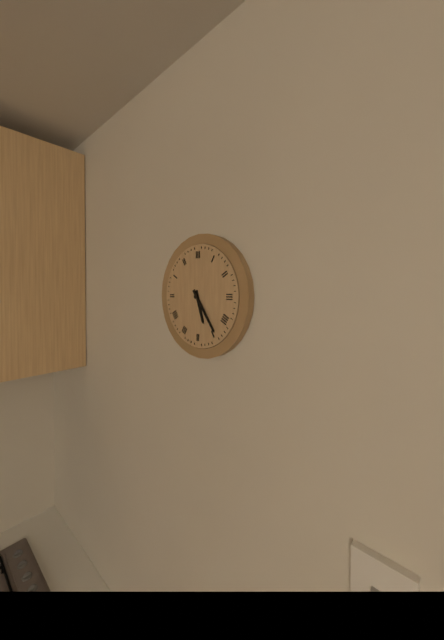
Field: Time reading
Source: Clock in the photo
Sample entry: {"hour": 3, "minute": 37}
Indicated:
{"hour": 5, "minute": 24}
